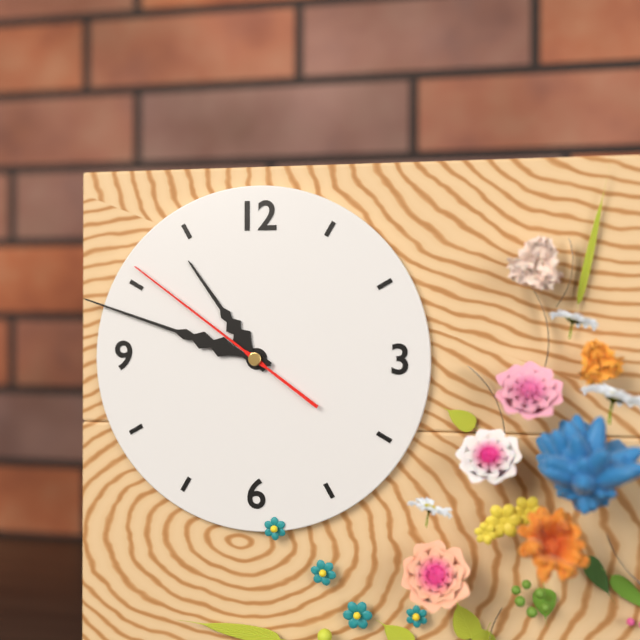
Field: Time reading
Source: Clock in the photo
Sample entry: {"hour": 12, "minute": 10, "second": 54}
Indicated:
{"hour": 10, "minute": 48, "second": 51}
